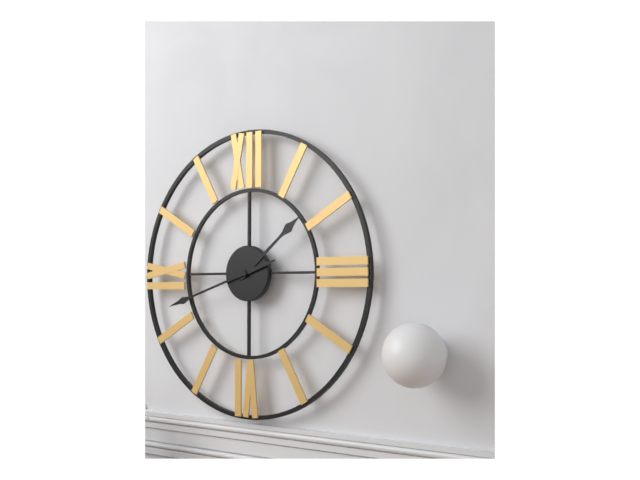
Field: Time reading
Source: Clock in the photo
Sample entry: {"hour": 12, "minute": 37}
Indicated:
{"hour": 1, "minute": 42}
